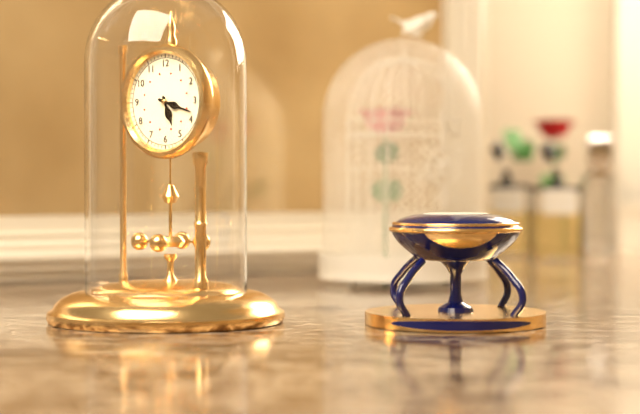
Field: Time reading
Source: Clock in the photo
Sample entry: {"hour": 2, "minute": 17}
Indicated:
{"hour": 5, "minute": 18}
